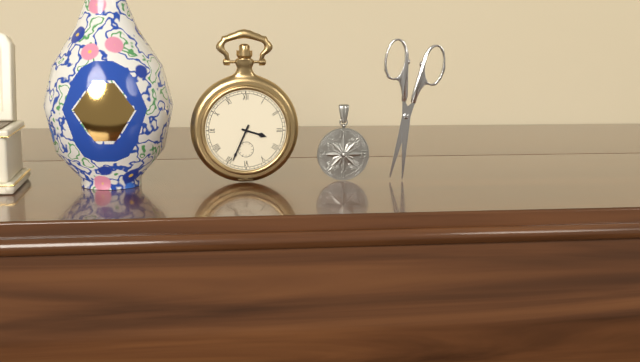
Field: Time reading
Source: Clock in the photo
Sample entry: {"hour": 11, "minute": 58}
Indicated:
{"hour": 3, "minute": 34}
